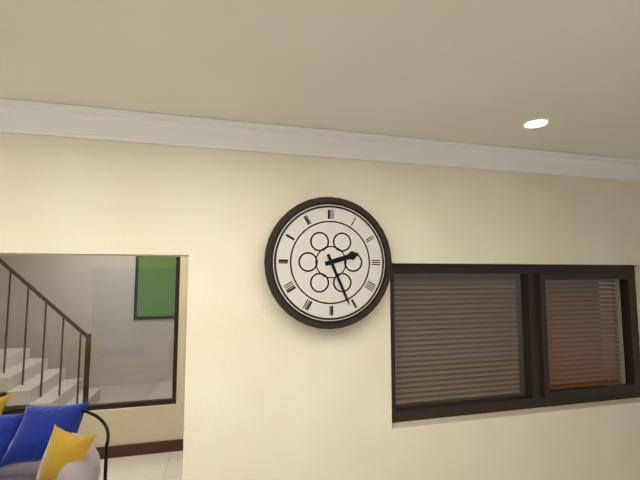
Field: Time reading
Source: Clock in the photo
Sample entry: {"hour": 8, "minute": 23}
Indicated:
{"hour": 2, "minute": 26}
